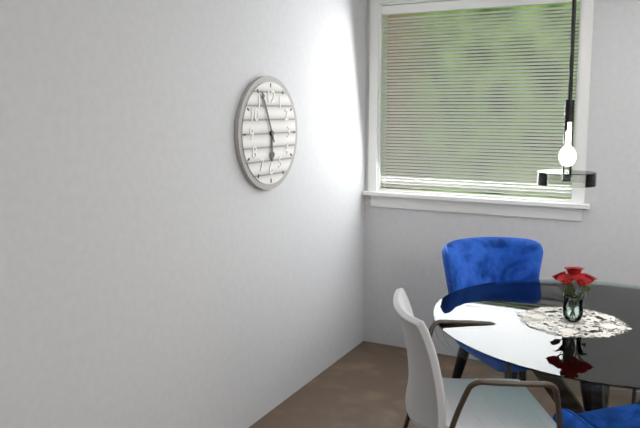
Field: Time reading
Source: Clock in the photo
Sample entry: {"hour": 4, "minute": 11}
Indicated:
{"hour": 5, "minute": 56}
